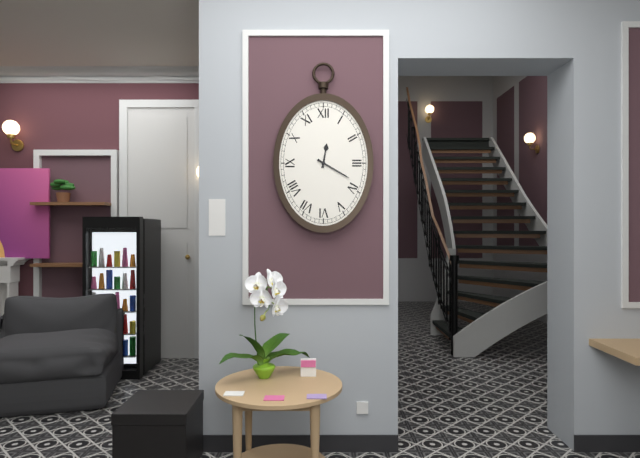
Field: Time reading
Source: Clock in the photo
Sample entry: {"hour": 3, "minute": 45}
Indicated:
{"hour": 12, "minute": 20}
